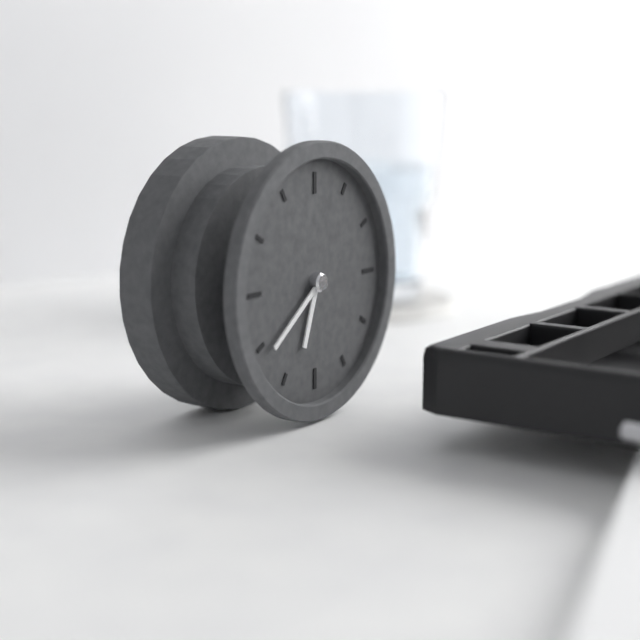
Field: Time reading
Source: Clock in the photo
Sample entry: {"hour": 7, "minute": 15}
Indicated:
{"hour": 6, "minute": 39}
